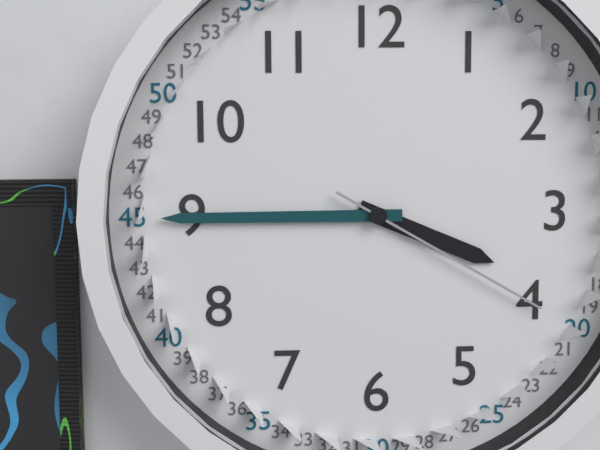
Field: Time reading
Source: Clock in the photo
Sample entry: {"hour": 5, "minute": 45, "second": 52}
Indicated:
{"hour": 3, "minute": 45, "second": 20}
